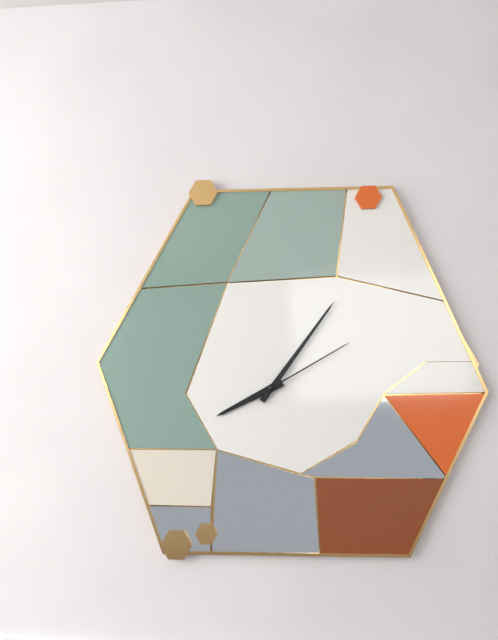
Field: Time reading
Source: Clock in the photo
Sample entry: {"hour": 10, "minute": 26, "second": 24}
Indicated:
{"hour": 8, "minute": 6, "second": 10}
